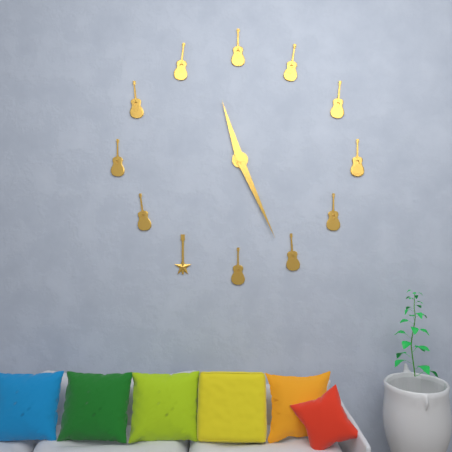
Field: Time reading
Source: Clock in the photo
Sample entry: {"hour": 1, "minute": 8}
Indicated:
{"hour": 11, "minute": 26}
